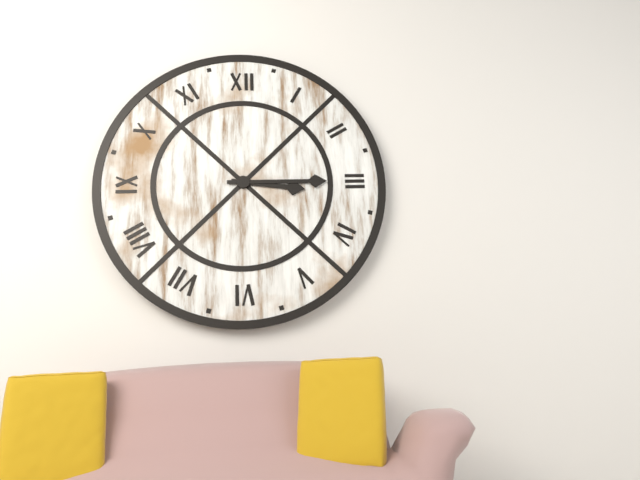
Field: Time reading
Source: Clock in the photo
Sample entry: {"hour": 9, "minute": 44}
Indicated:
{"hour": 3, "minute": 15}
